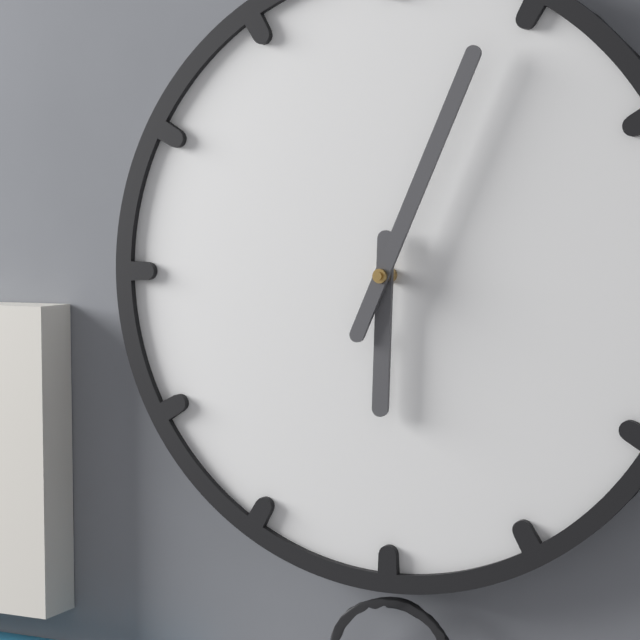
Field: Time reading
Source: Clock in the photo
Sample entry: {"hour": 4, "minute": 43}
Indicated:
{"hour": 6, "minute": 4}
